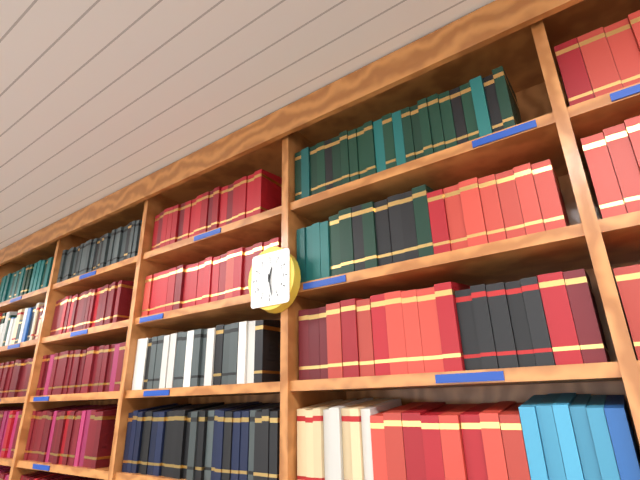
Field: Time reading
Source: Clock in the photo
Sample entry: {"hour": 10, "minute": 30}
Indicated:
{"hour": 12, "minute": 28}
